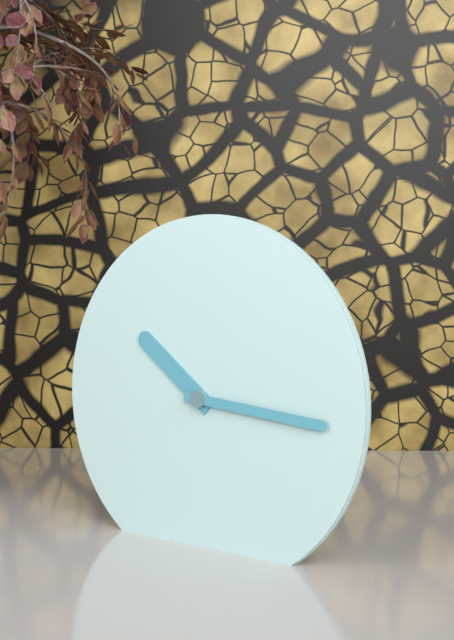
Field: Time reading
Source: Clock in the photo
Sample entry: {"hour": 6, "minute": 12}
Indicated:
{"hour": 10, "minute": 16}
